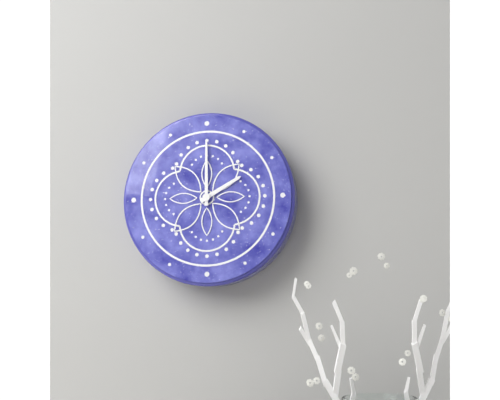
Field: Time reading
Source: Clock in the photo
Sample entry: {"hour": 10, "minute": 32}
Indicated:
{"hour": 2, "minute": 0}
